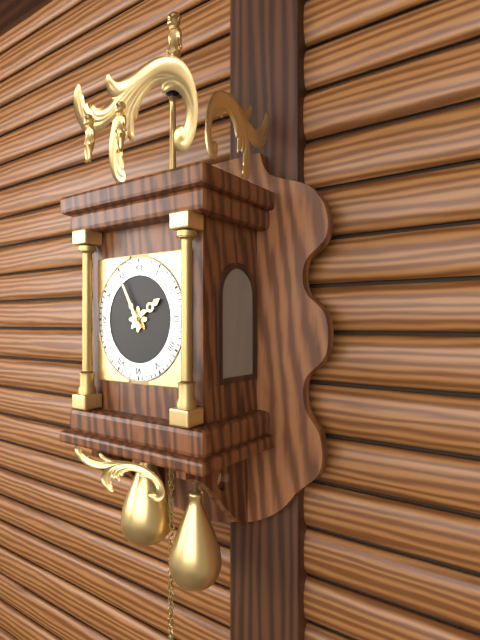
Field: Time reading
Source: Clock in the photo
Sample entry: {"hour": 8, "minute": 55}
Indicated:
{"hour": 1, "minute": 55}
